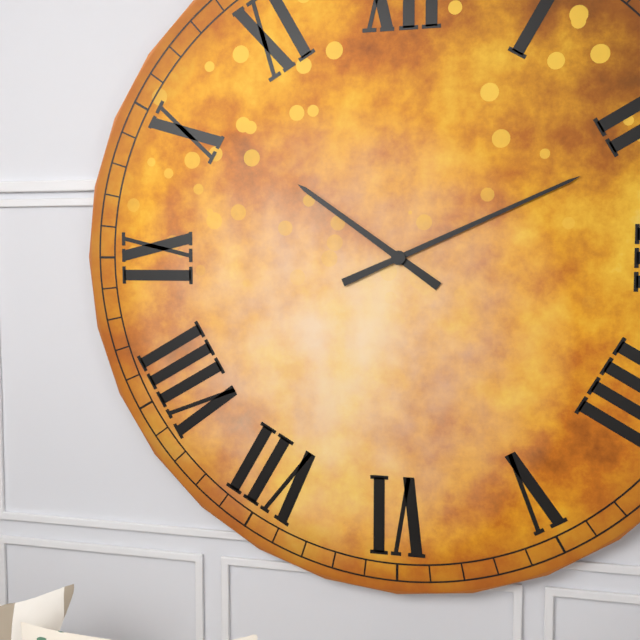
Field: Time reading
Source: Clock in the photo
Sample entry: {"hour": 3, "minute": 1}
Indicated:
{"hour": 10, "minute": 11}
